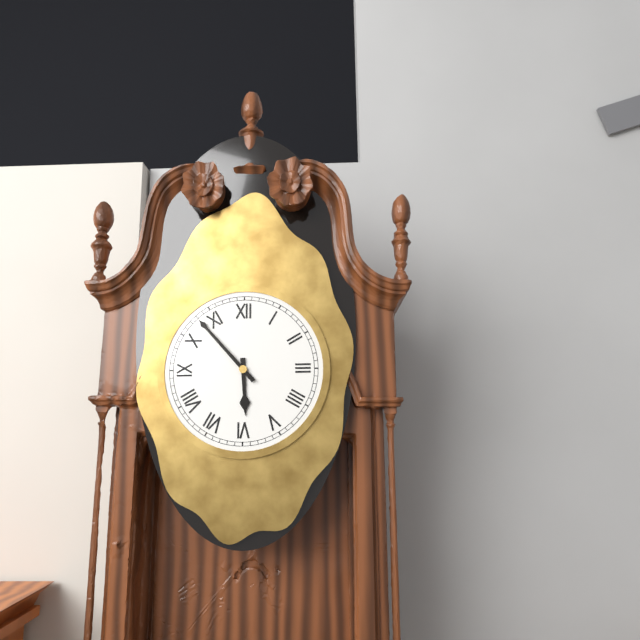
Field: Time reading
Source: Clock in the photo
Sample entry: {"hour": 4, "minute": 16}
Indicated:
{"hour": 5, "minute": 53}
